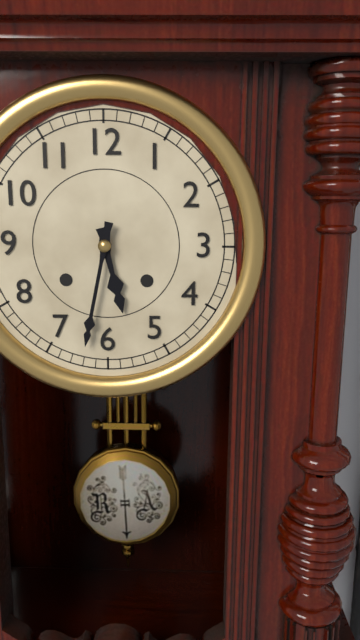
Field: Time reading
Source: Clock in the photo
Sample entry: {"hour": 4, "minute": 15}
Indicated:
{"hour": 5, "minute": 32}
